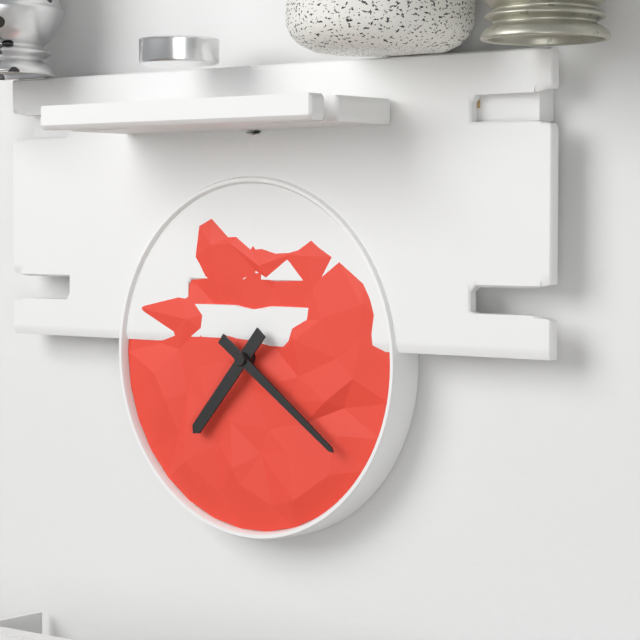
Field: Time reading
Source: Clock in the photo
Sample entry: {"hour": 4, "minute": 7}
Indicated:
{"hour": 7, "minute": 21}
